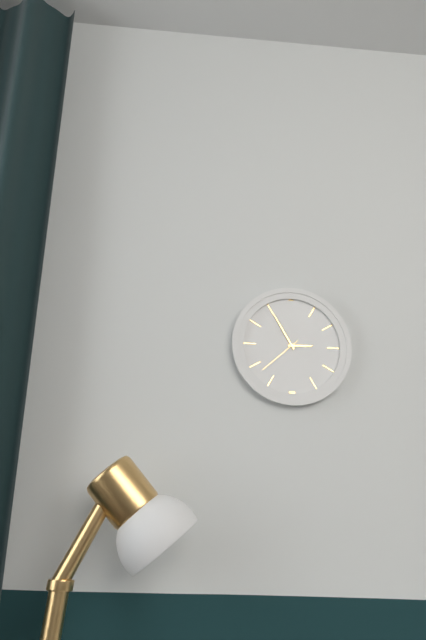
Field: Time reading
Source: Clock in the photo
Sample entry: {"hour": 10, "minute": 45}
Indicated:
{"hour": 2, "minute": 55}
